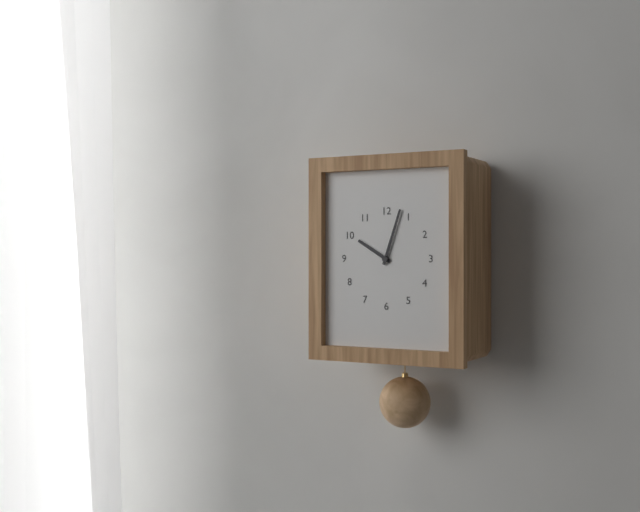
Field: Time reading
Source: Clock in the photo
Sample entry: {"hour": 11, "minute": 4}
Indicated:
{"hour": 10, "minute": 3}
